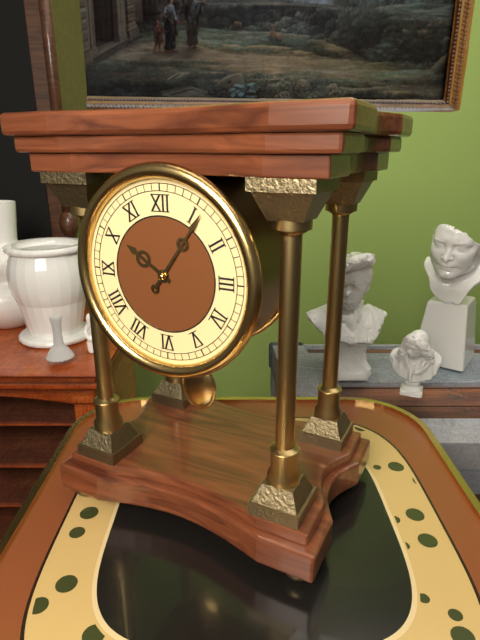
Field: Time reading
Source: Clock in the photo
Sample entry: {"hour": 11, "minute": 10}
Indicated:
{"hour": 10, "minute": 6}
